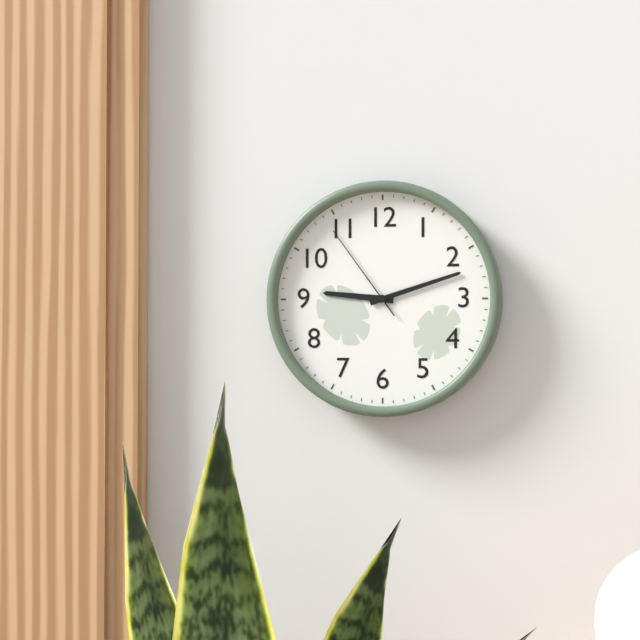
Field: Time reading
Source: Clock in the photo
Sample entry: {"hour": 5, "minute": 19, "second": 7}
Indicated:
{"hour": 9, "minute": 12, "second": 54}
